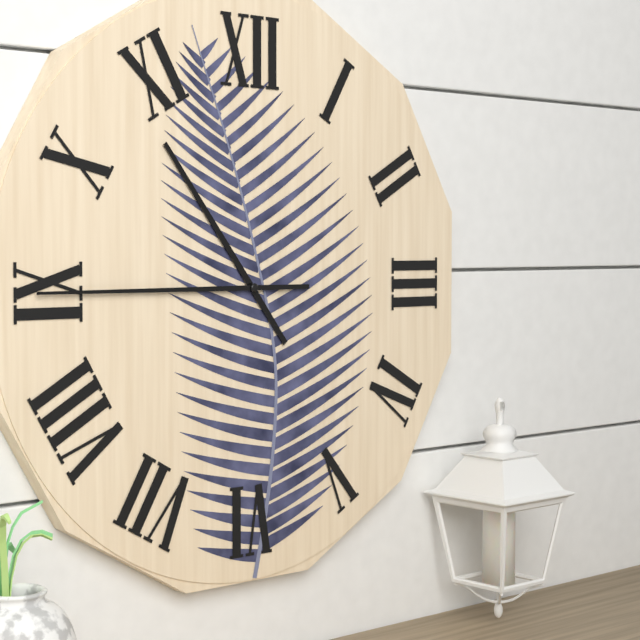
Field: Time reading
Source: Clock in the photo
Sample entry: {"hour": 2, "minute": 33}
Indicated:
{"hour": 10, "minute": 45}
